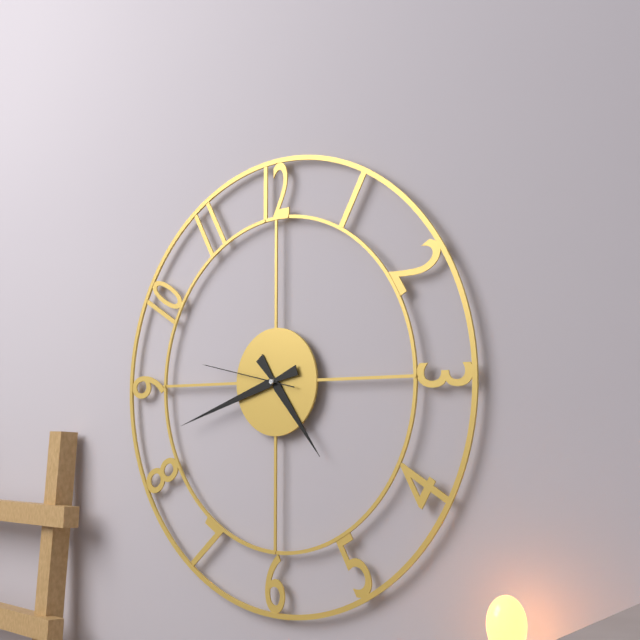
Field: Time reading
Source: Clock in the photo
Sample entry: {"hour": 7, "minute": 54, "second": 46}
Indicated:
{"hour": 4, "minute": 42, "second": 47}
